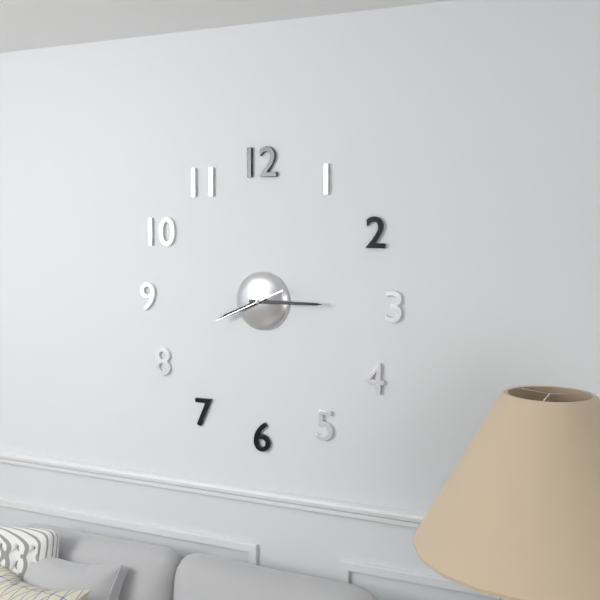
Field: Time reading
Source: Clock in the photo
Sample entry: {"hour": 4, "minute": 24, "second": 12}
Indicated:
{"hour": 8, "minute": 15, "second": 41}
